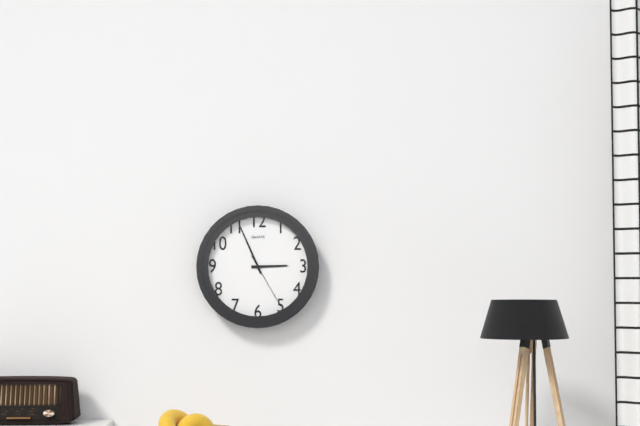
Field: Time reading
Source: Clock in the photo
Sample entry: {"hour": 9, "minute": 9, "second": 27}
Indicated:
{"hour": 2, "minute": 56, "second": 25}
